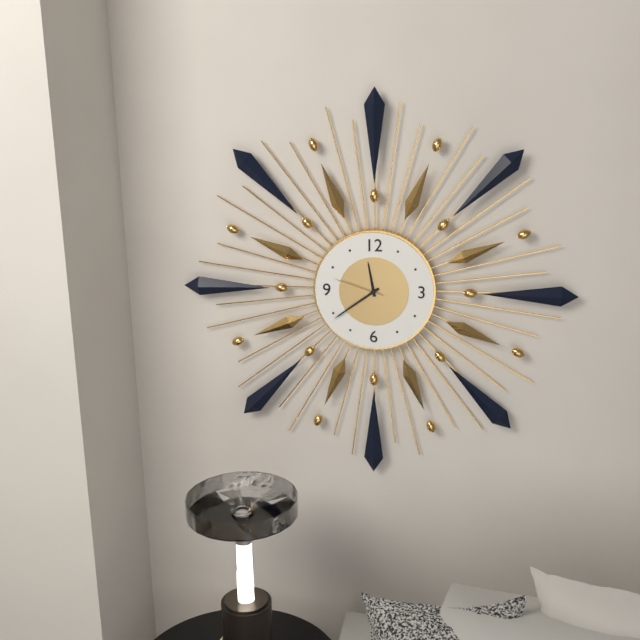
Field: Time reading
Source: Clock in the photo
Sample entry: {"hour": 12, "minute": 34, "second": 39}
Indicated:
{"hour": 11, "minute": 39, "second": 48}
